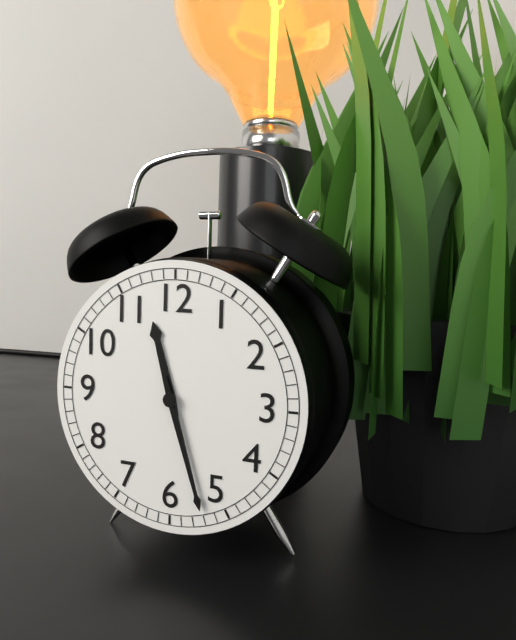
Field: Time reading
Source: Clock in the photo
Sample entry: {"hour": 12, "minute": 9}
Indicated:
{"hour": 11, "minute": 27}
